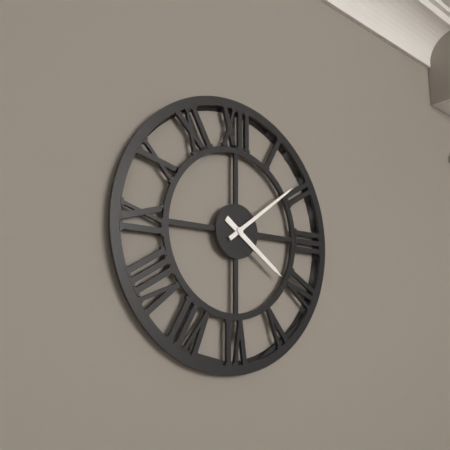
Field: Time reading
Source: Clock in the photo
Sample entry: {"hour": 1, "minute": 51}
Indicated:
{"hour": 4, "minute": 9}
